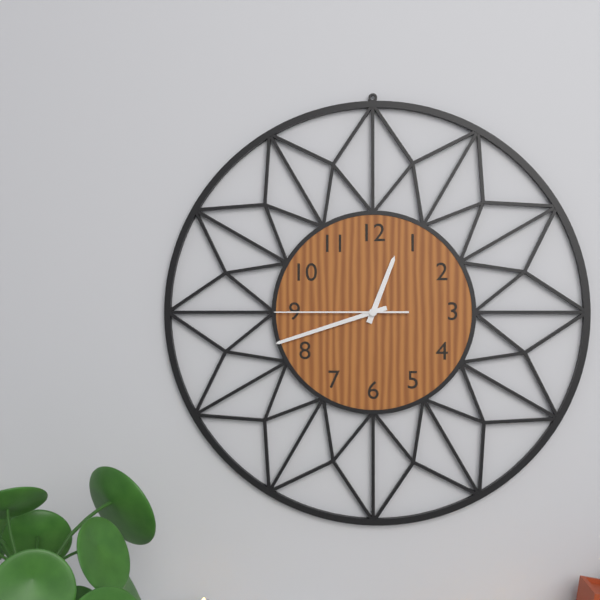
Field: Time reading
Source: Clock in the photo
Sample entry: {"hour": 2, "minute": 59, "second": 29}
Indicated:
{"hour": 12, "minute": 42, "second": 45}
